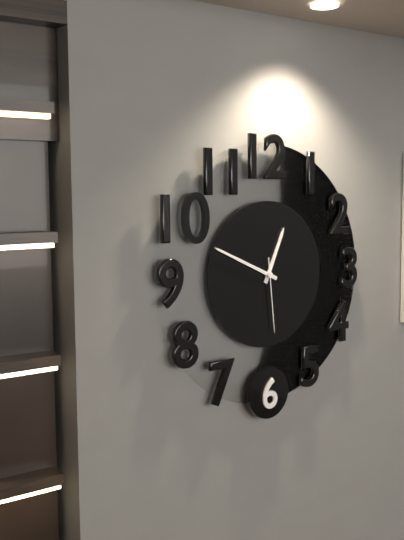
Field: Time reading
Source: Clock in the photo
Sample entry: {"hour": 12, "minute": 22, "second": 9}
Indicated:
{"hour": 12, "minute": 49, "second": 29}
